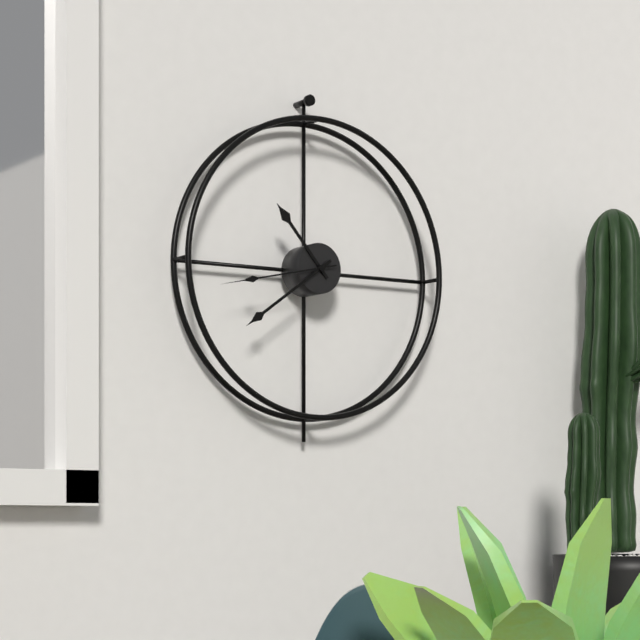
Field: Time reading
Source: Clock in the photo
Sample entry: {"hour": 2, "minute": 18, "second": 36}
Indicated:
{"hour": 10, "minute": 39, "second": 43}
